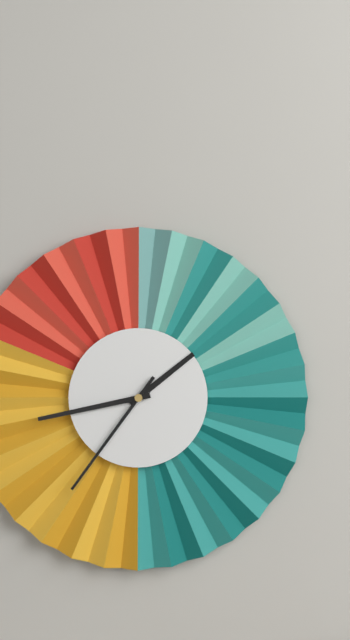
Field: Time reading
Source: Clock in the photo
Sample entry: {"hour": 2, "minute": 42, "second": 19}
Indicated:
{"hour": 1, "minute": 43, "second": 36}
